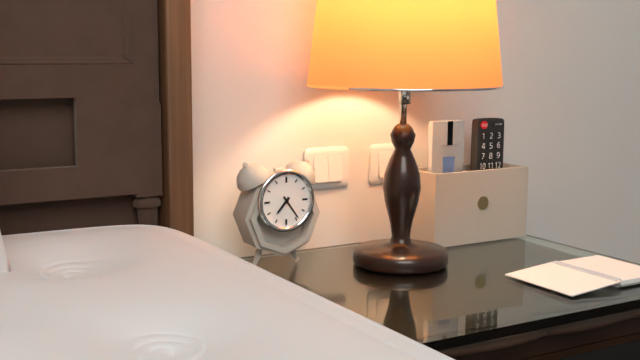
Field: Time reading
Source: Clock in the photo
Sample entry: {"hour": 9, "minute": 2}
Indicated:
{"hour": 7, "minute": 24}
